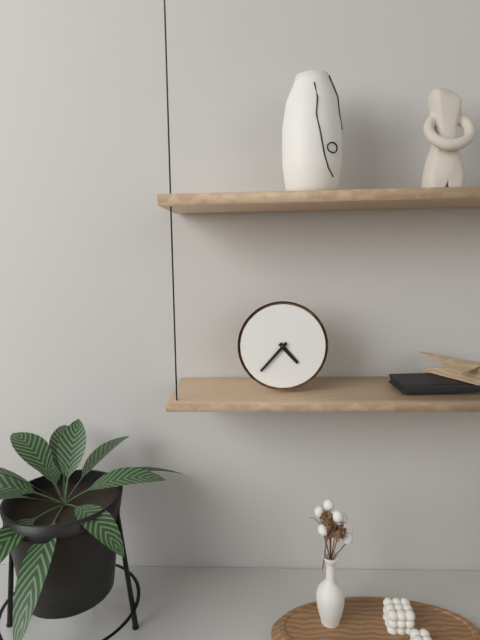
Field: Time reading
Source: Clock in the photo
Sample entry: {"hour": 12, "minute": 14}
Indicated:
{"hour": 4, "minute": 37}
